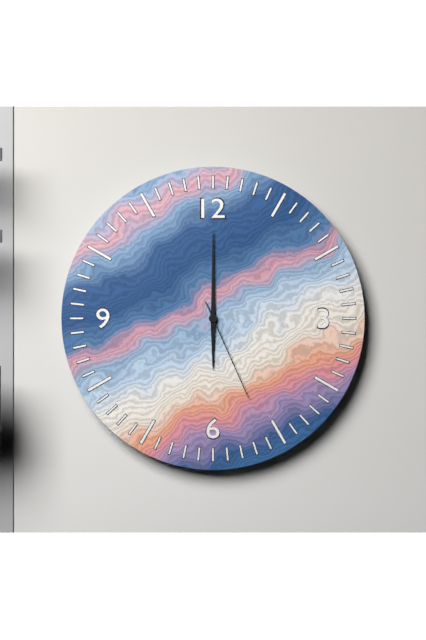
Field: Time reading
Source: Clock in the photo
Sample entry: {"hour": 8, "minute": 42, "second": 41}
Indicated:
{"hour": 6, "minute": 0, "second": 26}
